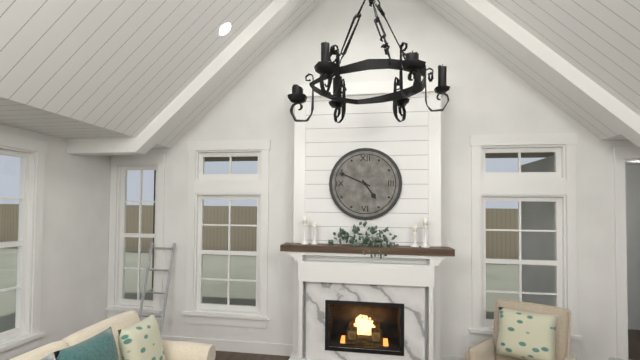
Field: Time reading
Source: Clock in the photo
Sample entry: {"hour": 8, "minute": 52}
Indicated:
{"hour": 4, "minute": 49}
